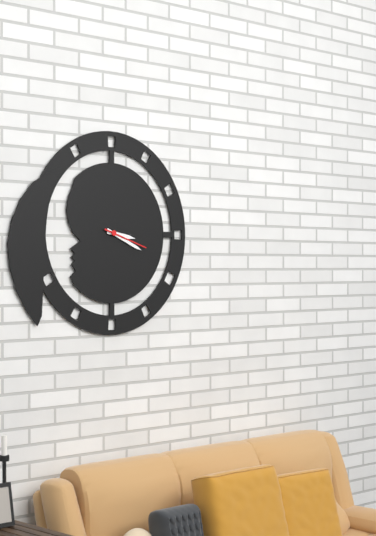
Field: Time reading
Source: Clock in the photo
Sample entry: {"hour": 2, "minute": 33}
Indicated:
{"hour": 3, "minute": 19}
